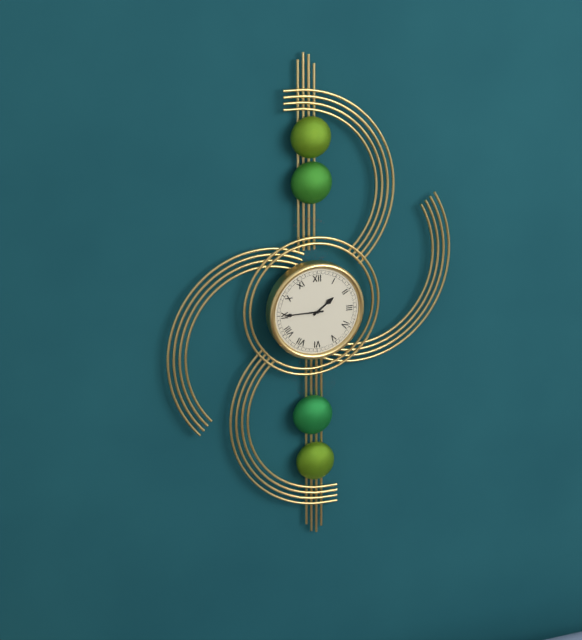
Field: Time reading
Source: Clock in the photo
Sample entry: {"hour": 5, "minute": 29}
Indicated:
{"hour": 1, "minute": 45}
